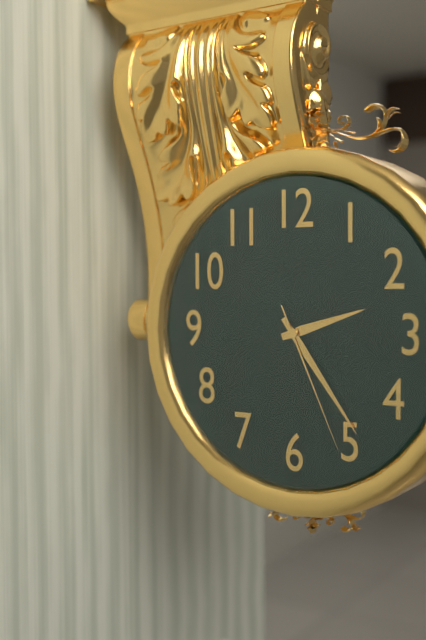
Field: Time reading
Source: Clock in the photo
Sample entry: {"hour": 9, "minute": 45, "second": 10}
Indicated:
{"hour": 2, "minute": 24, "second": 26}
